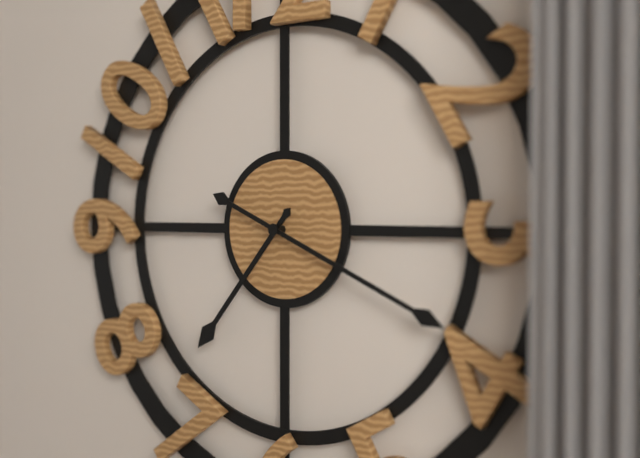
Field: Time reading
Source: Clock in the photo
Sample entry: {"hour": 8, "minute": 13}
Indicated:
{"hour": 7, "minute": 19}
